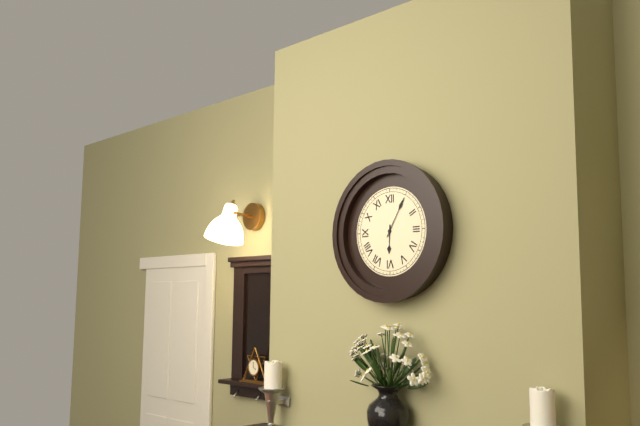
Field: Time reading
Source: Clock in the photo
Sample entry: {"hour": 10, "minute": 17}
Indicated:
{"hour": 6, "minute": 5}
